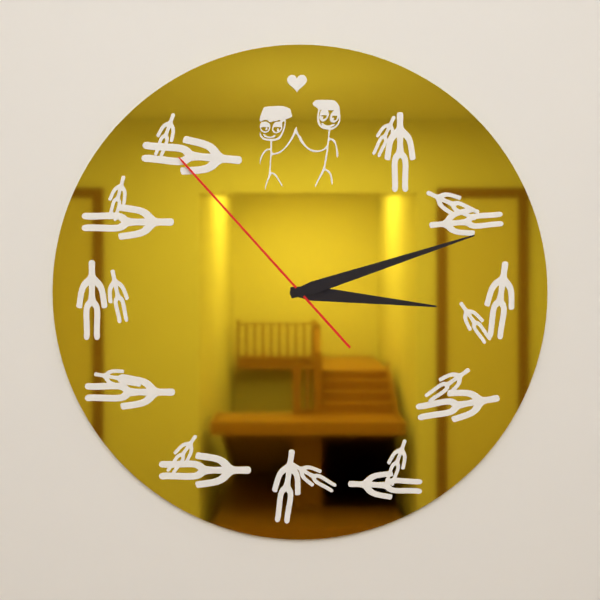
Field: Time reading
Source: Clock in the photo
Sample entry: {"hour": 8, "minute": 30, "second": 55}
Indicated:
{"hour": 3, "minute": 12, "second": 53}
